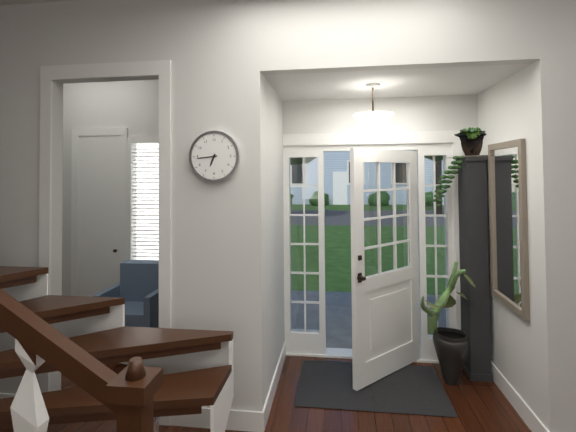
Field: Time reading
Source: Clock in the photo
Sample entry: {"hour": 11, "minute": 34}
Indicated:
{"hour": 6, "minute": 44}
